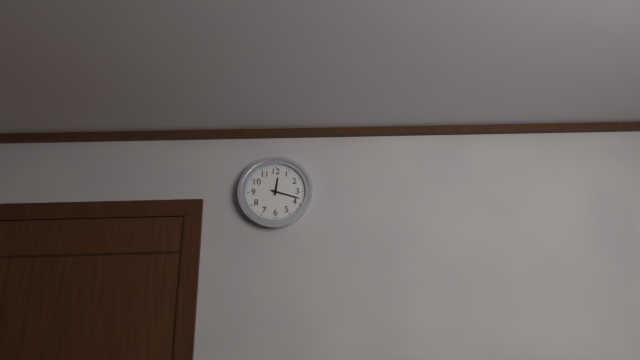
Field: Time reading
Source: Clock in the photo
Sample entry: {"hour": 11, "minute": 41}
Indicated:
{"hour": 12, "minute": 18}
